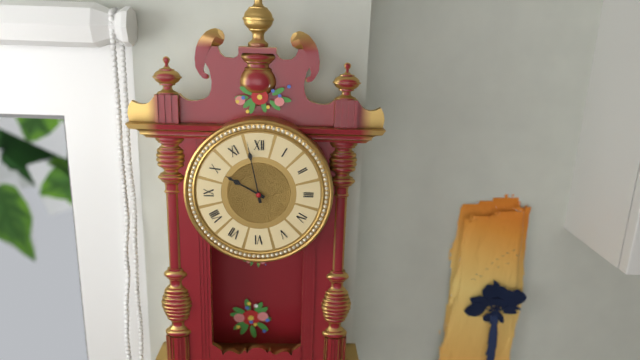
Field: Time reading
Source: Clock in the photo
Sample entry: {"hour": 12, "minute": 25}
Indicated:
{"hour": 9, "minute": 58}
